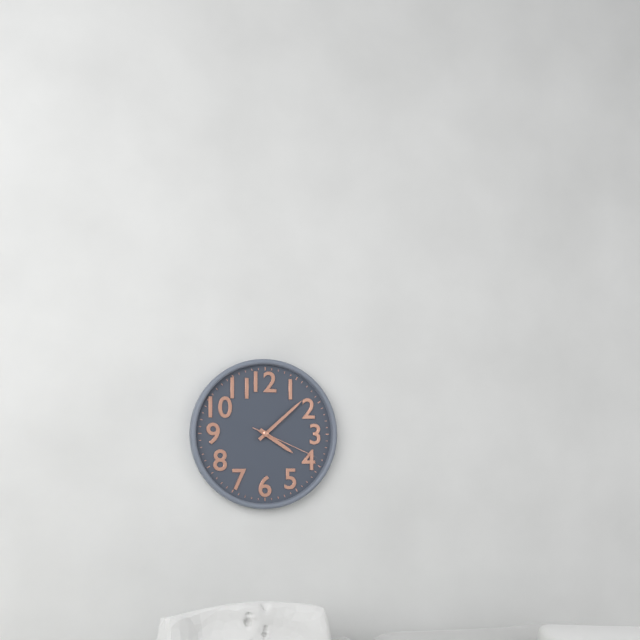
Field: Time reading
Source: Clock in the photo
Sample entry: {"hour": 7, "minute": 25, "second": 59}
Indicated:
{"hour": 4, "minute": 8, "second": 19}
